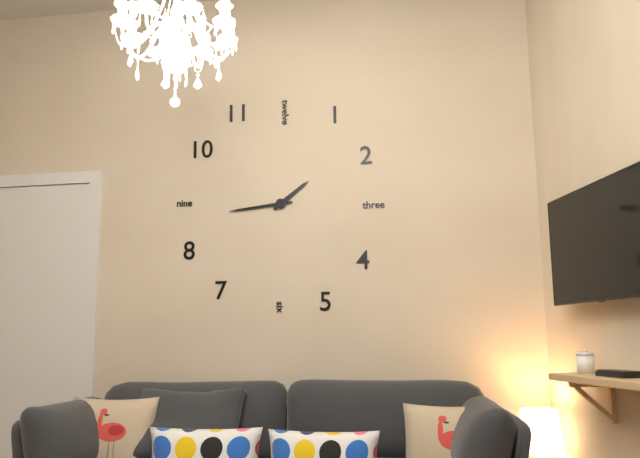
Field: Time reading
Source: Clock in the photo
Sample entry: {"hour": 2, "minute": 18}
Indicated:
{"hour": 1, "minute": 44}
